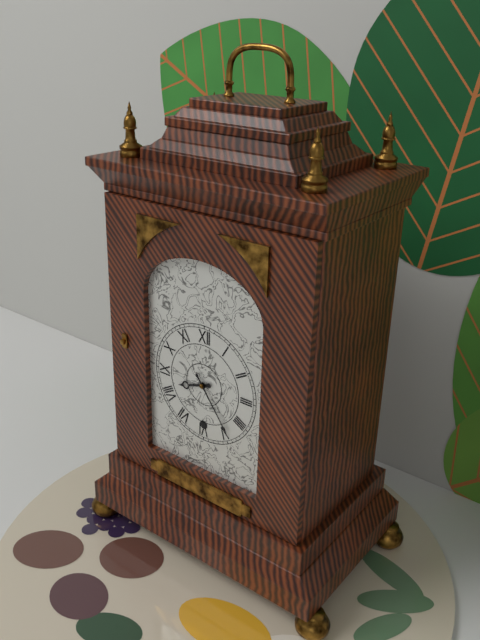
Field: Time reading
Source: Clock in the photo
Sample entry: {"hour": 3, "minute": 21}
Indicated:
{"hour": 8, "minute": 24}
